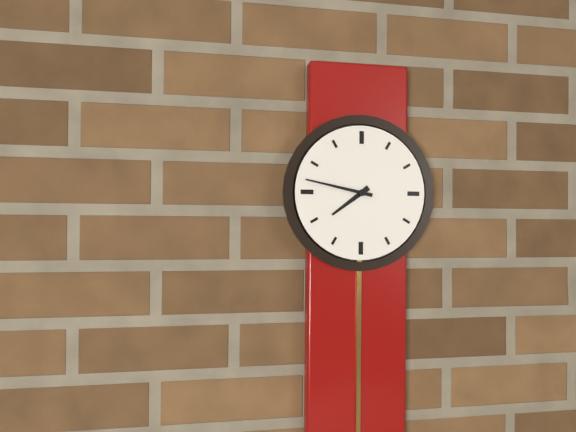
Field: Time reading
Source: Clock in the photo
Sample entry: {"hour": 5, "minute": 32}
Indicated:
{"hour": 7, "minute": 47}
